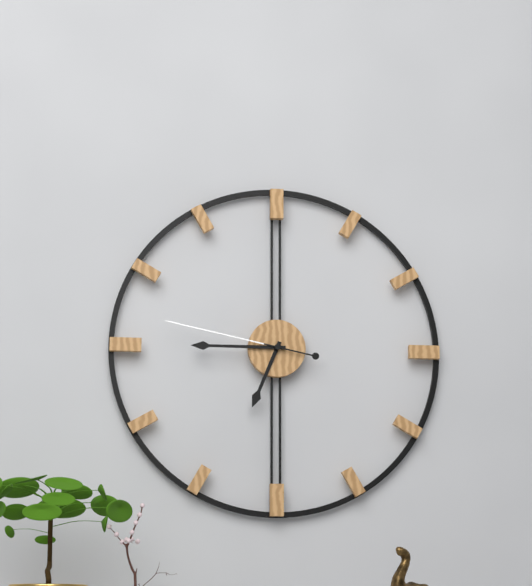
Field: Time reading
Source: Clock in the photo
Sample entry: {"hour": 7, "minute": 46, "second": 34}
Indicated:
{"hour": 6, "minute": 45, "second": 47}
